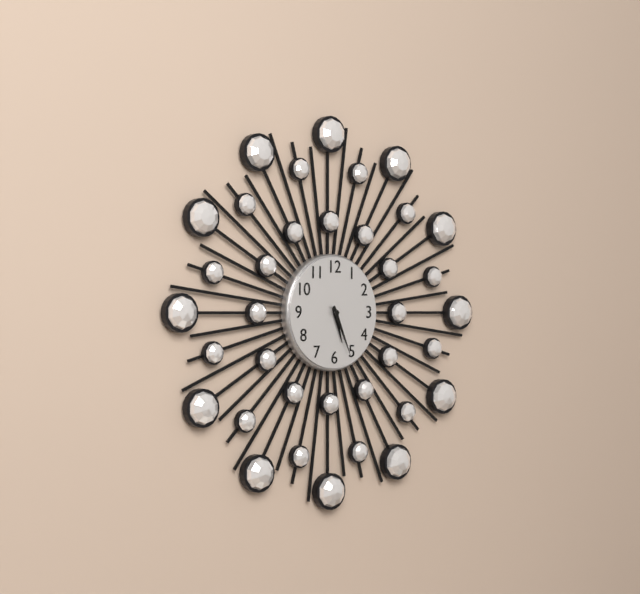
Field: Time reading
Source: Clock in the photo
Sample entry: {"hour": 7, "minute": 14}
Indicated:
{"hour": 5, "minute": 26}
